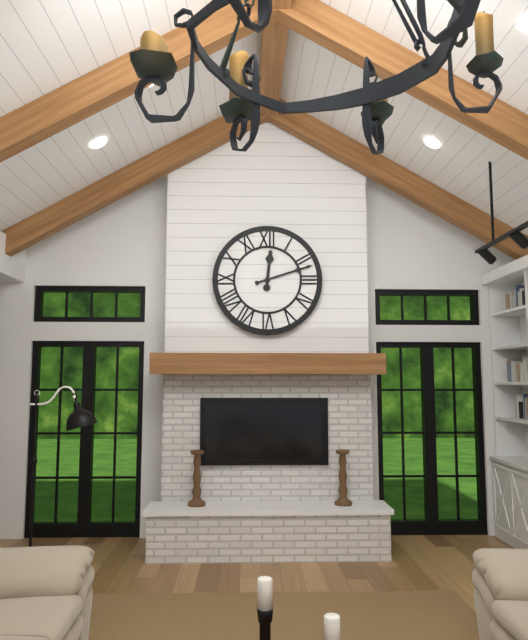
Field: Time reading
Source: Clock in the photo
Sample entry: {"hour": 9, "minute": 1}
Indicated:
{"hour": 12, "minute": 12}
